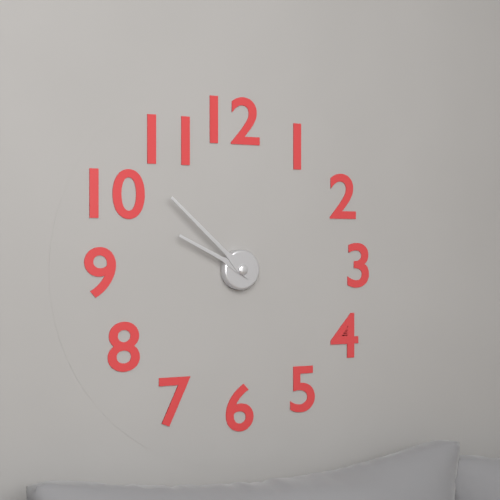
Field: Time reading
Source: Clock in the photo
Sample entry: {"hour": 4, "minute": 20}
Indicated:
{"hour": 9, "minute": 52}
